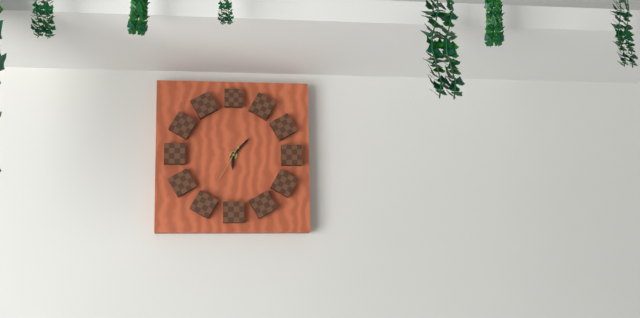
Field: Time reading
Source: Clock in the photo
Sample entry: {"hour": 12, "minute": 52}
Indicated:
{"hour": 6, "minute": 7}
